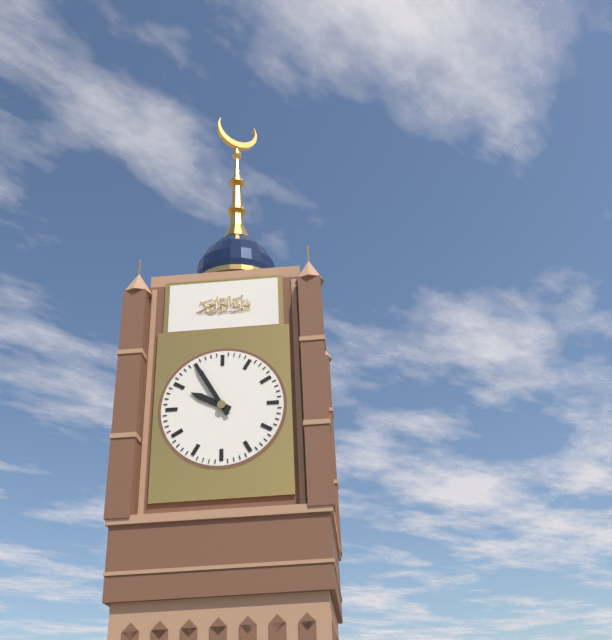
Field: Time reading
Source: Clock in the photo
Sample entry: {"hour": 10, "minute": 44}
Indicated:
{"hour": 9, "minute": 55}
